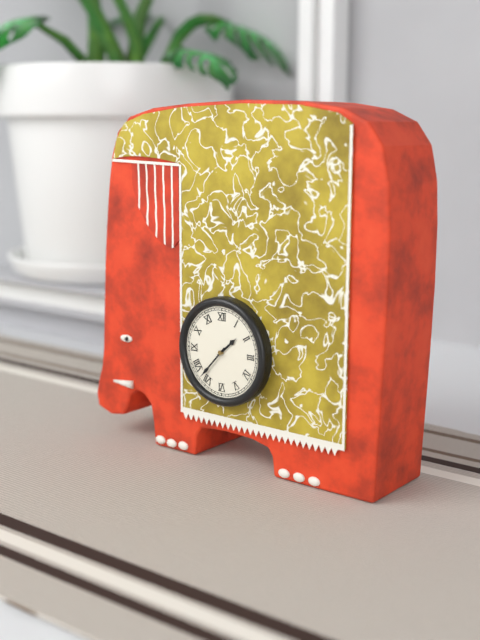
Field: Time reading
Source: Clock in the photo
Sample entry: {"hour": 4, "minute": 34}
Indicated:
{"hour": 1, "minute": 37}
